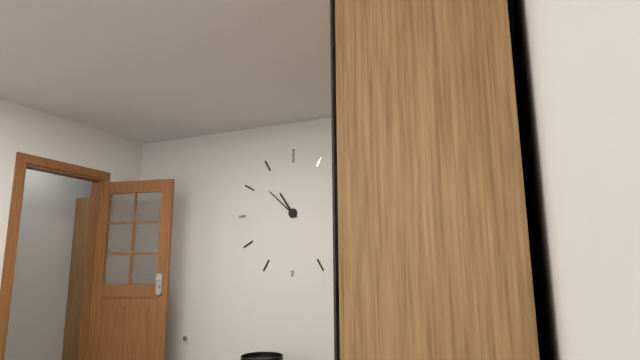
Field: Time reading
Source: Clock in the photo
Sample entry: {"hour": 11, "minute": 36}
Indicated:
{"hour": 10, "minute": 52}
